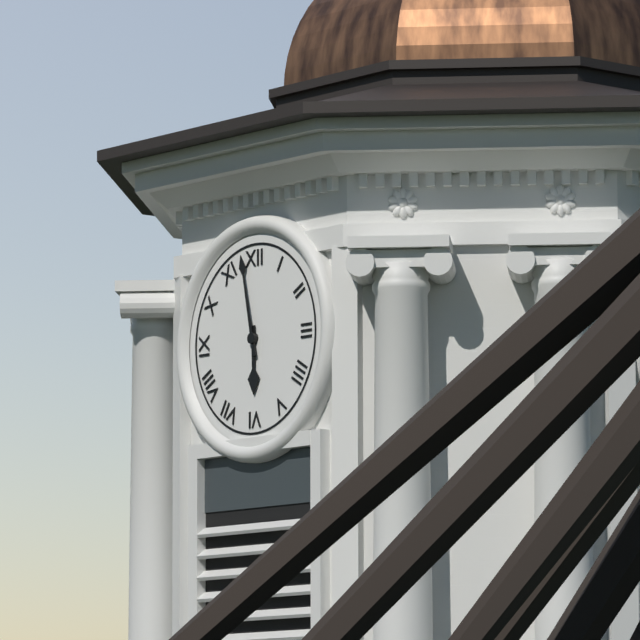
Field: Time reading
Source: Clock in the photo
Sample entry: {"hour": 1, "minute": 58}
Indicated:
{"hour": 5, "minute": 58}
